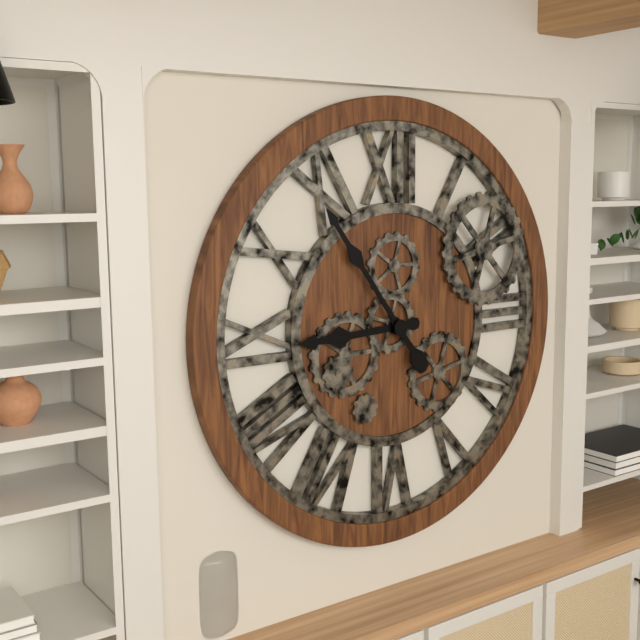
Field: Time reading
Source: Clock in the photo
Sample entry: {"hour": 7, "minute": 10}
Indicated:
{"hour": 8, "minute": 54}
